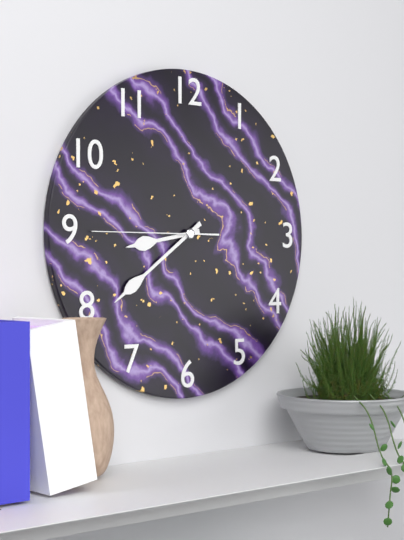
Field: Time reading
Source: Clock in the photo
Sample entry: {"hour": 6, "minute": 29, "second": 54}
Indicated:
{"hour": 8, "minute": 39, "second": 45}
